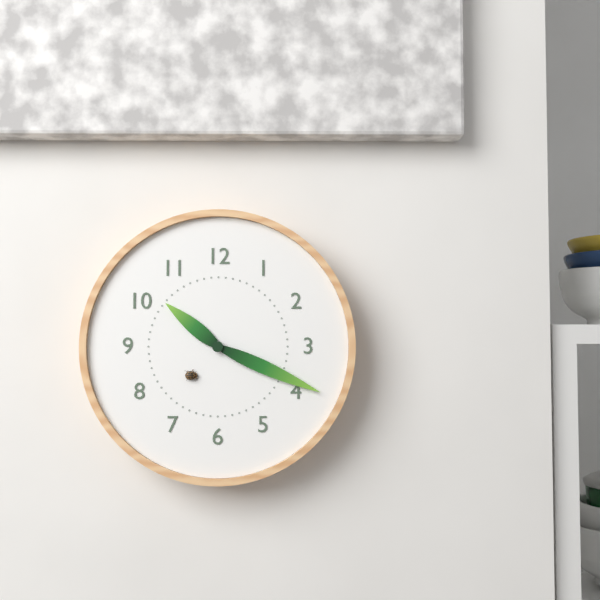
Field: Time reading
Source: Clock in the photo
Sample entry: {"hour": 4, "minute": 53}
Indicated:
{"hour": 10, "minute": 19}
